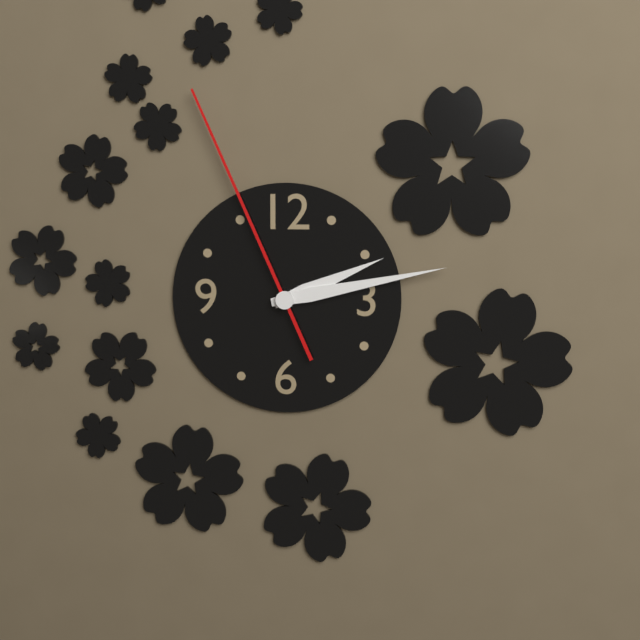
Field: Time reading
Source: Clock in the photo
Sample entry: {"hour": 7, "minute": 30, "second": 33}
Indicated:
{"hour": 2, "minute": 13, "second": 56}
